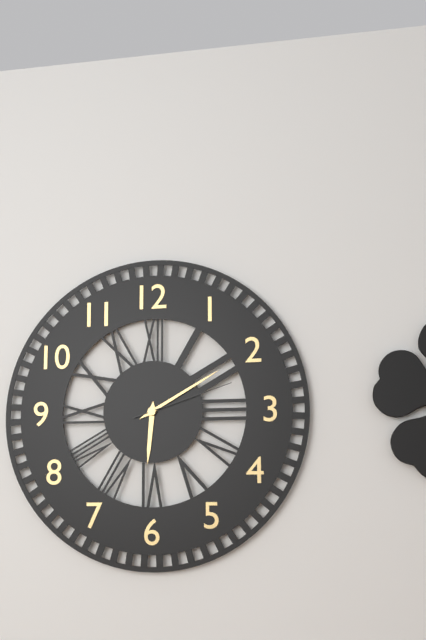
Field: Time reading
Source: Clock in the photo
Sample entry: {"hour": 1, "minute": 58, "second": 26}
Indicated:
{"hour": 6, "minute": 10, "second": 12}
